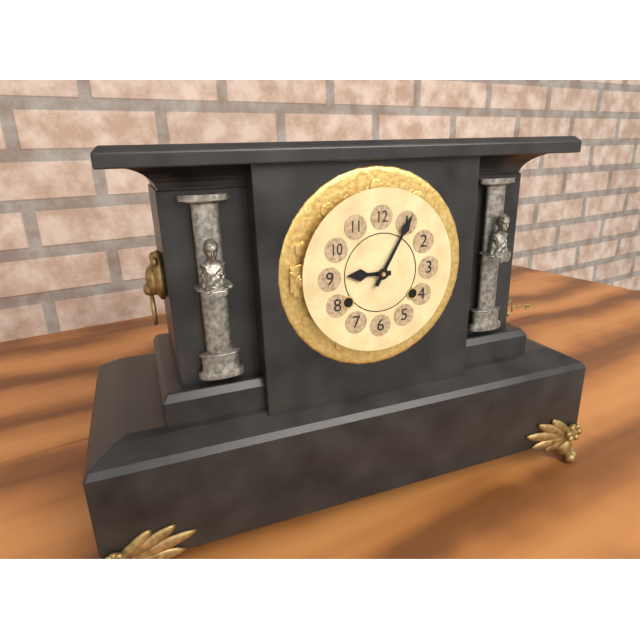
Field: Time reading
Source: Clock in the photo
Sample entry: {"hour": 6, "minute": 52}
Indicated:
{"hour": 9, "minute": 5}
